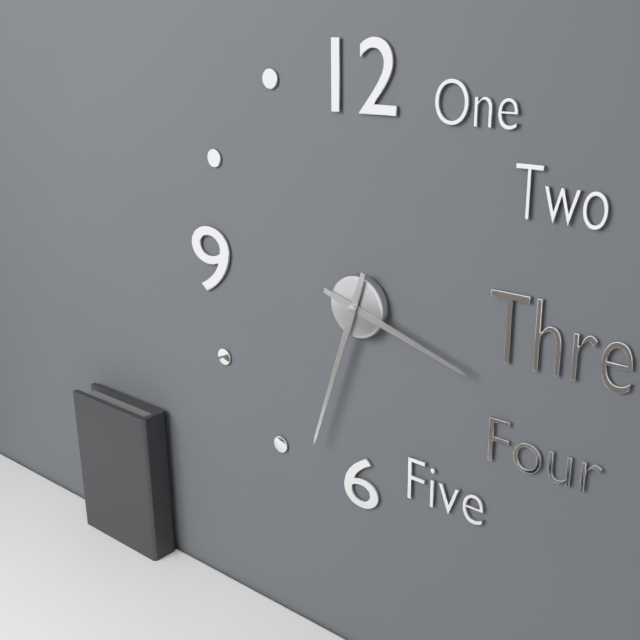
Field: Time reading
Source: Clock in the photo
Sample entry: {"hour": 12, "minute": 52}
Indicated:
{"hour": 3, "minute": 33}
